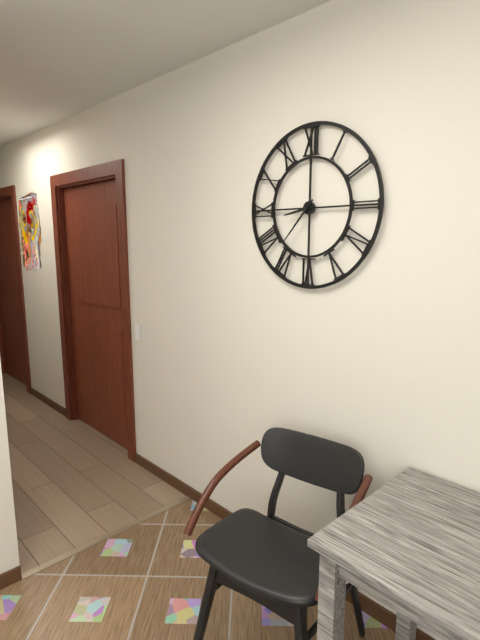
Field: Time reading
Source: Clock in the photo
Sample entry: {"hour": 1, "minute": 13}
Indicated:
{"hour": 8, "minute": 37}
